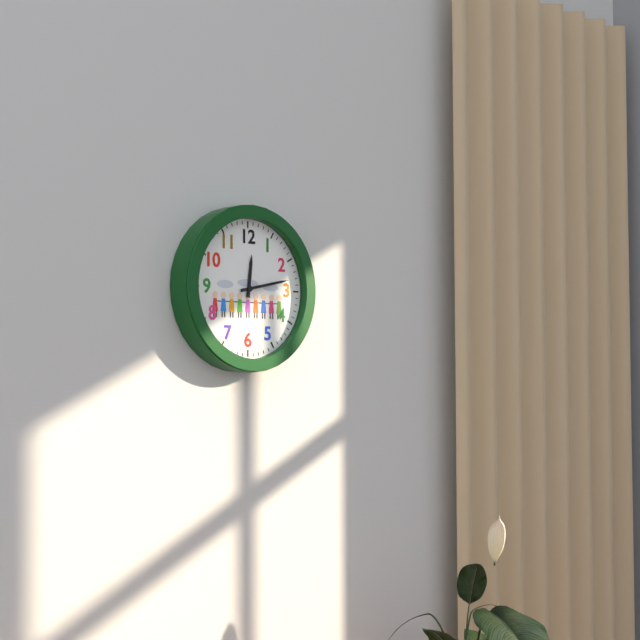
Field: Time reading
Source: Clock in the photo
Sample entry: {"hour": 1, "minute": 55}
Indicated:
{"hour": 12, "minute": 13}
